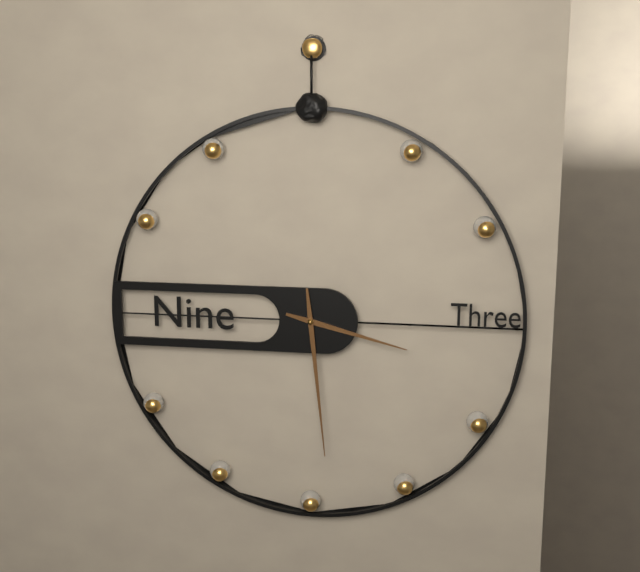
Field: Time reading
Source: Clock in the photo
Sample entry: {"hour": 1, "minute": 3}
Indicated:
{"hour": 3, "minute": 29}
